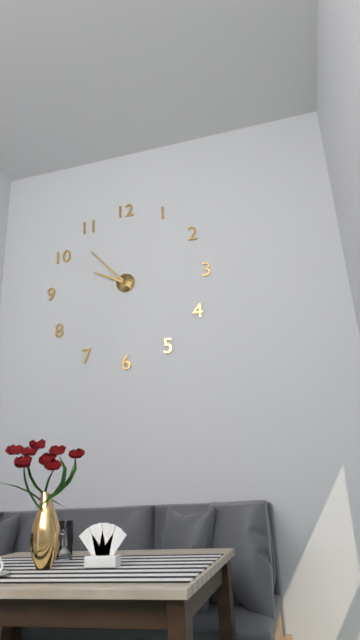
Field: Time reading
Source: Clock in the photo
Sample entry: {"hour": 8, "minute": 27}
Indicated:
{"hour": 9, "minute": 53}
